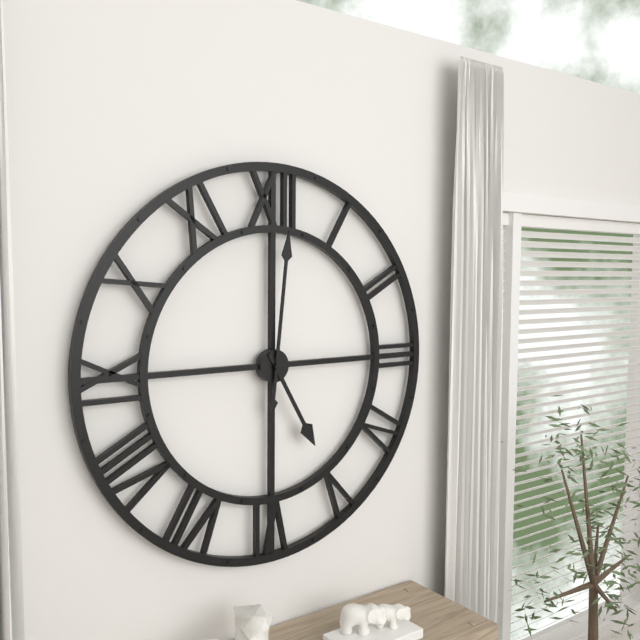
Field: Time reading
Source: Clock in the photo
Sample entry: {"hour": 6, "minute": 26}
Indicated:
{"hour": 5, "minute": 1}
